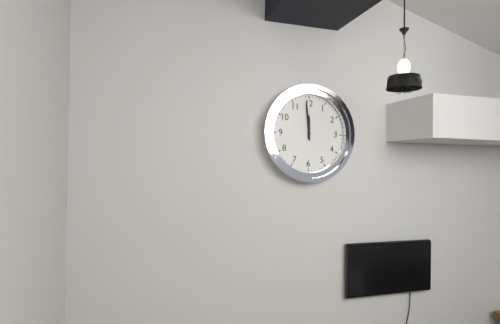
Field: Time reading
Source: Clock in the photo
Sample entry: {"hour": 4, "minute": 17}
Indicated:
{"hour": 11, "minute": 59}
